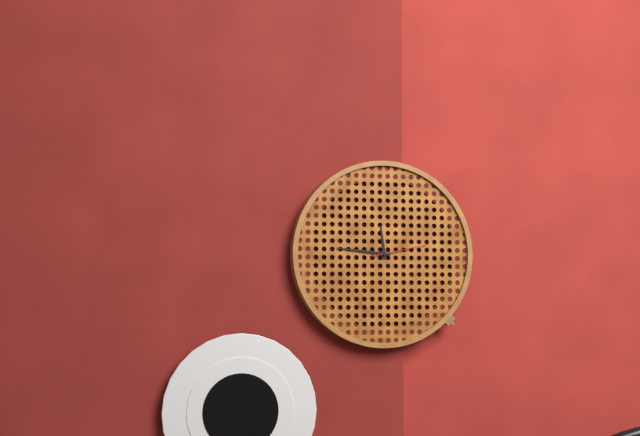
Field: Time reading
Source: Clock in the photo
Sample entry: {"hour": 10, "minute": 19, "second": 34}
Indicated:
{"hour": 11, "minute": 46, "second": 13}
